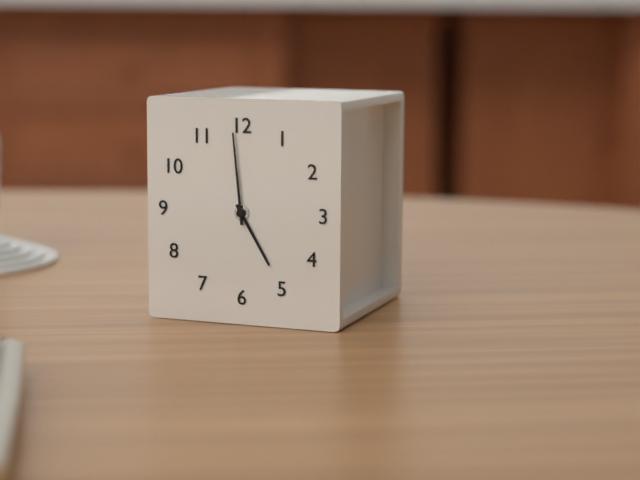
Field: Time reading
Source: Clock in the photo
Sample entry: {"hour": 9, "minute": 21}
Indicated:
{"hour": 4, "minute": 59}
